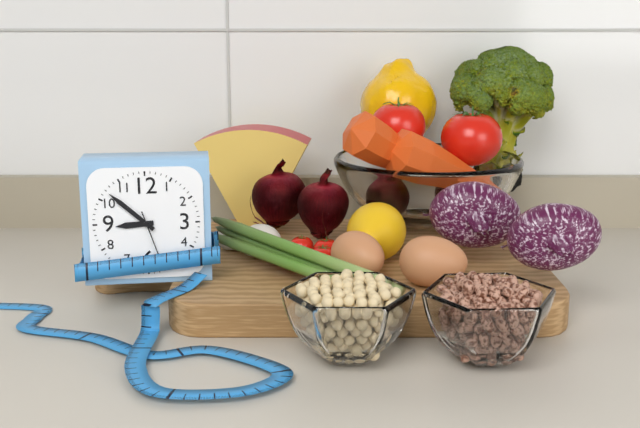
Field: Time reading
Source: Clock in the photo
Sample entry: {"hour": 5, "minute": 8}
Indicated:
{"hour": 8, "minute": 52}
